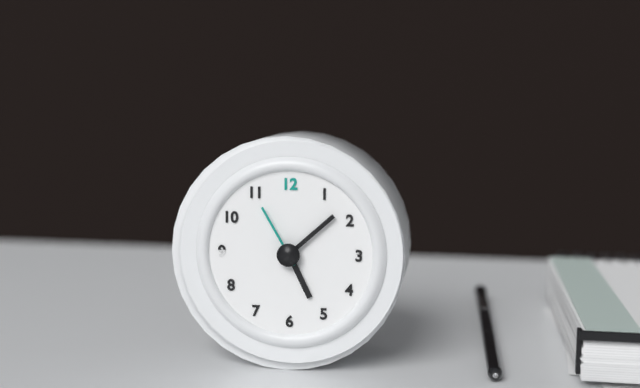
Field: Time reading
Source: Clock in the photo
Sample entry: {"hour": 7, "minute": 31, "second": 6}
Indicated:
{"hour": 5, "minute": 8, "second": 55}
